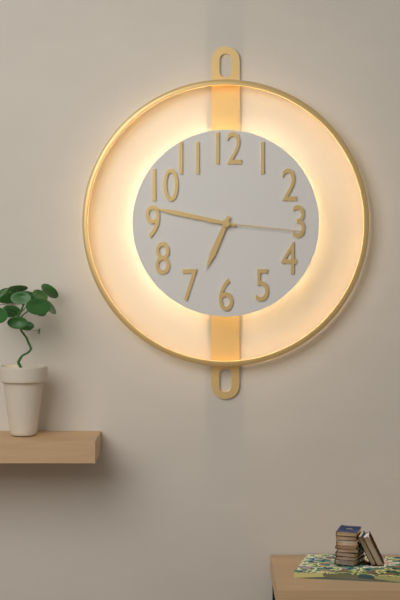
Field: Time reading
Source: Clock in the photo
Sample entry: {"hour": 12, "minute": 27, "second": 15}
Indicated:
{"hour": 6, "minute": 47, "second": 16}
